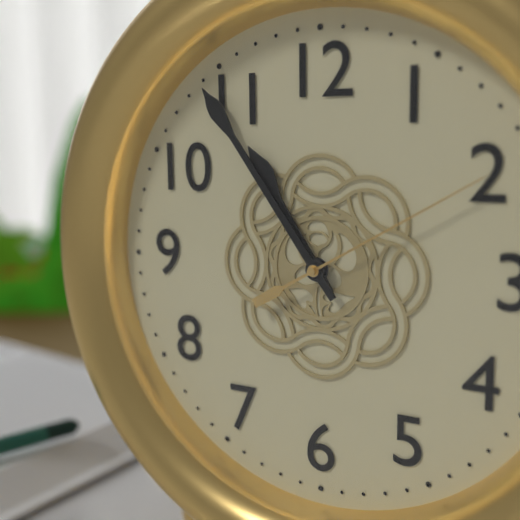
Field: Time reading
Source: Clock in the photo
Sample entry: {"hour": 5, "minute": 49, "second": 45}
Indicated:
{"hour": 10, "minute": 54, "second": 10}
